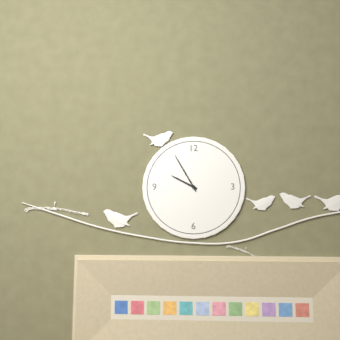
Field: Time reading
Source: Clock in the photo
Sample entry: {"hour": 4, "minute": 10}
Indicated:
{"hour": 9, "minute": 55}
